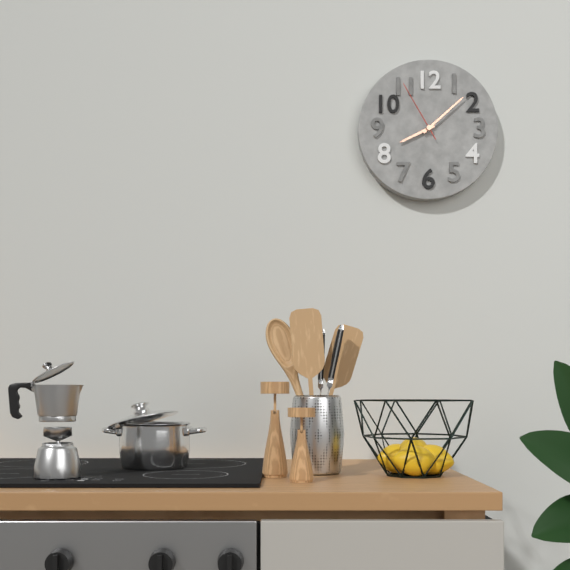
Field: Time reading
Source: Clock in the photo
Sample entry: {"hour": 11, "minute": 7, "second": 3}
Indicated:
{"hour": 8, "minute": 8, "second": 55}
